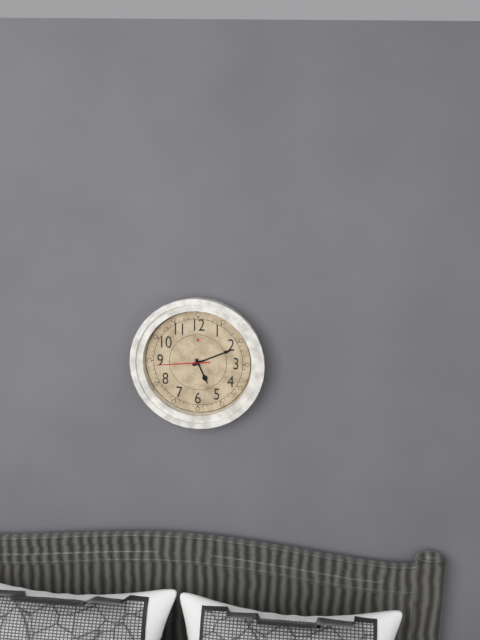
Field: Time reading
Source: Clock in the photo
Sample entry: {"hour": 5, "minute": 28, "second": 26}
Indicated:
{"hour": 5, "minute": 11, "second": 44}
